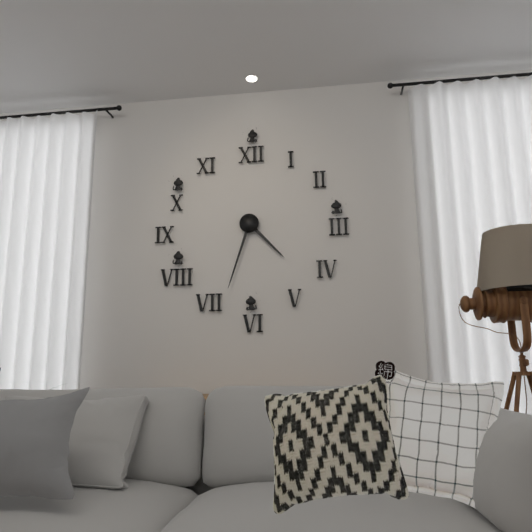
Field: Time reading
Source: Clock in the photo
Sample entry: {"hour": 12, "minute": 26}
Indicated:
{"hour": 4, "minute": 33}
